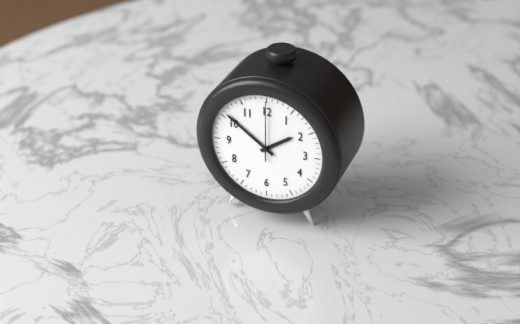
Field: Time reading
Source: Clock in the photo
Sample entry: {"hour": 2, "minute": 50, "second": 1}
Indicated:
{"hour": 1, "minute": 51, "second": 0}
